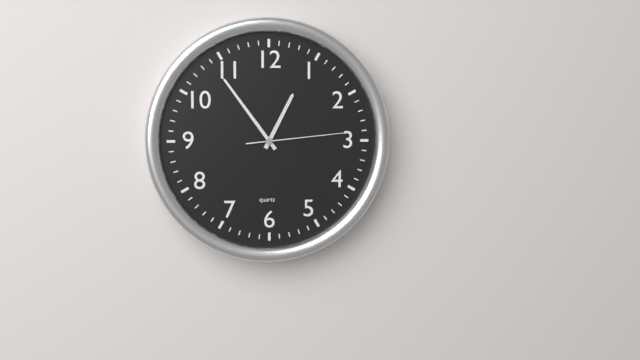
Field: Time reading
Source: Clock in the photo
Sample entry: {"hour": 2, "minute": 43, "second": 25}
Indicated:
{"hour": 12, "minute": 54, "second": 14}
